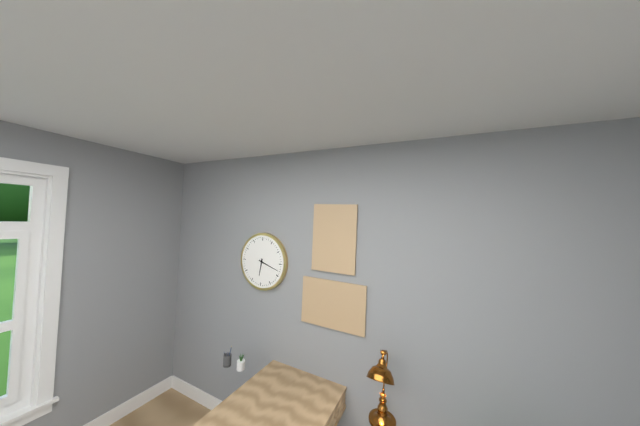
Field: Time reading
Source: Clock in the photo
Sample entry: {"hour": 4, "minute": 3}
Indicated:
{"hour": 6, "minute": 18}
